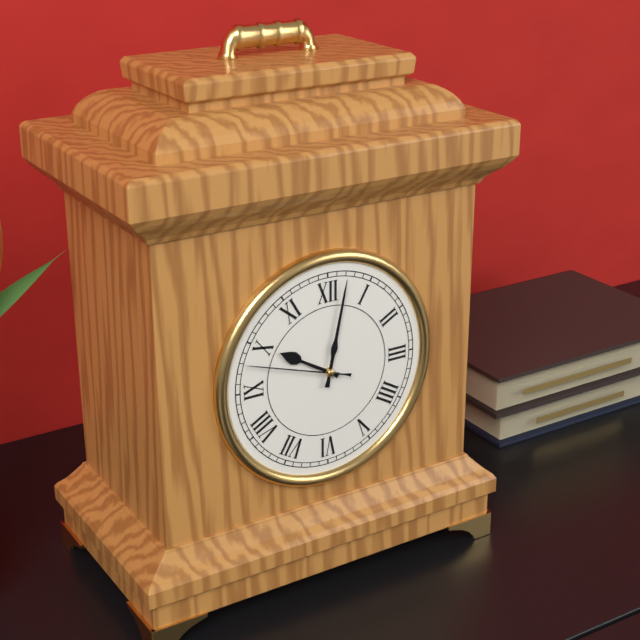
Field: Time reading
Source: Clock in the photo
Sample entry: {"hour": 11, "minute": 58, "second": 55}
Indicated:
{"hour": 10, "minute": 2, "second": 48}
